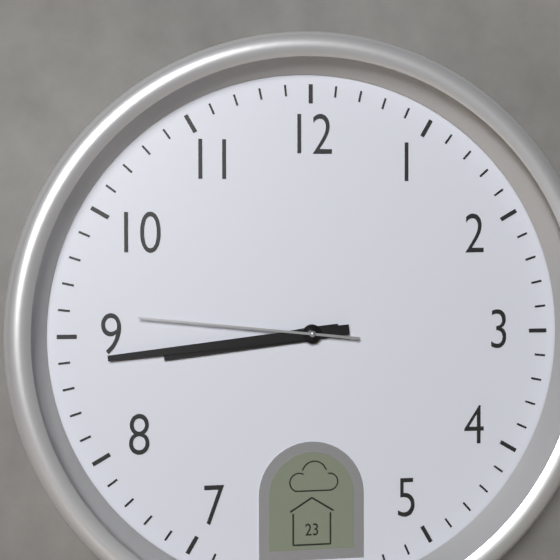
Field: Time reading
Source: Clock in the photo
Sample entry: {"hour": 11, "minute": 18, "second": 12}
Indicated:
{"hour": 8, "minute": 44, "second": 46}
